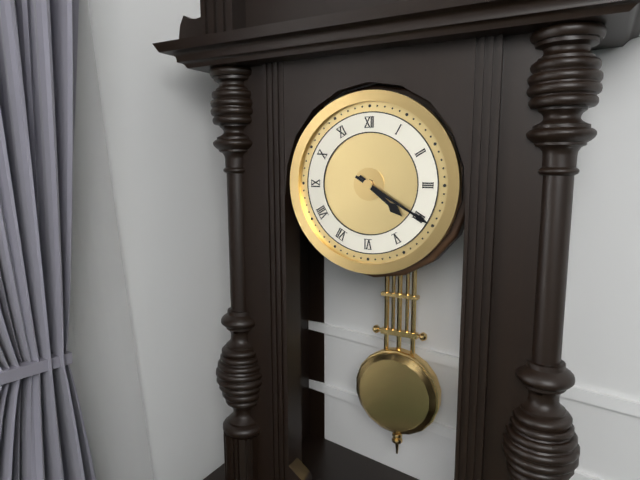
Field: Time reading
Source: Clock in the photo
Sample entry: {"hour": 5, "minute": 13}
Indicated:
{"hour": 4, "minute": 20}
